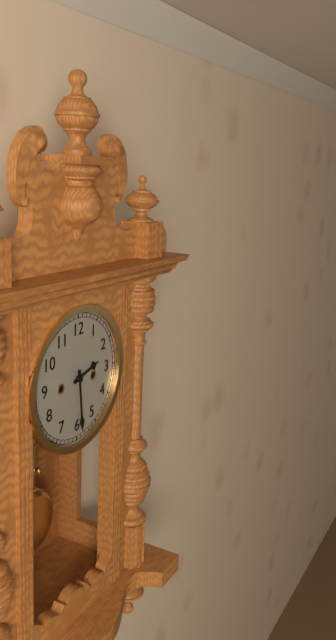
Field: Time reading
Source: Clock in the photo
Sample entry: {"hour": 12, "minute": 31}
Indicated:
{"hour": 2, "minute": 29}
